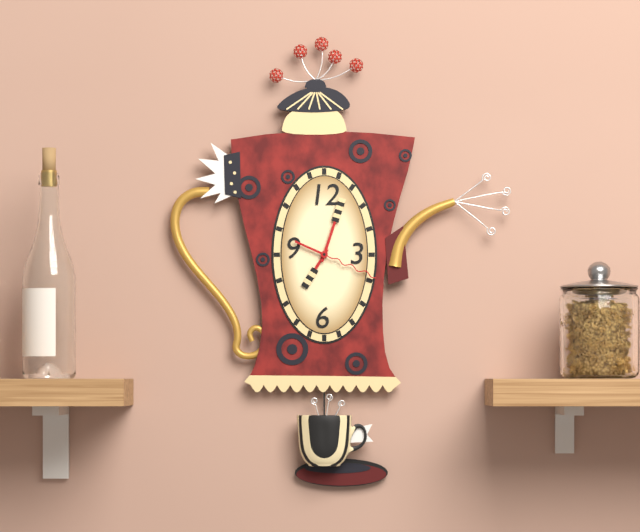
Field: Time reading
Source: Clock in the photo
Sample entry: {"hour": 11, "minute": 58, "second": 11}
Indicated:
{"hour": 7, "minute": 3, "second": 19}
